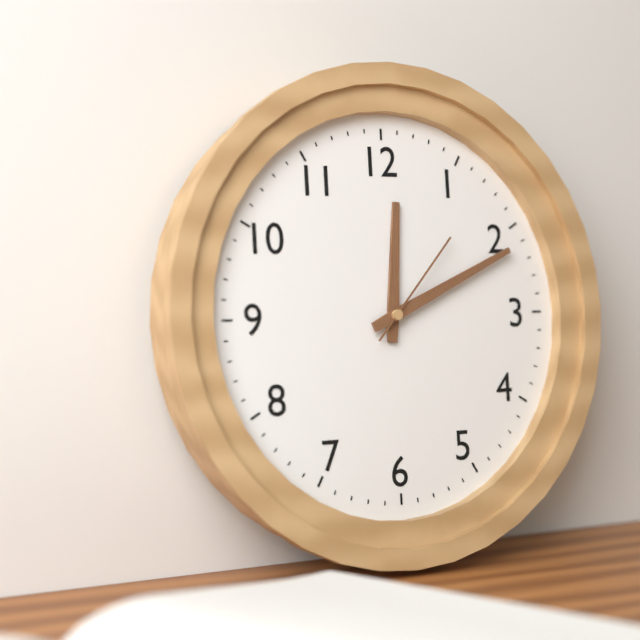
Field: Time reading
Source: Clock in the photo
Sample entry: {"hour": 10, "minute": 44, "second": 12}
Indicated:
{"hour": 12, "minute": 11, "second": 7}
